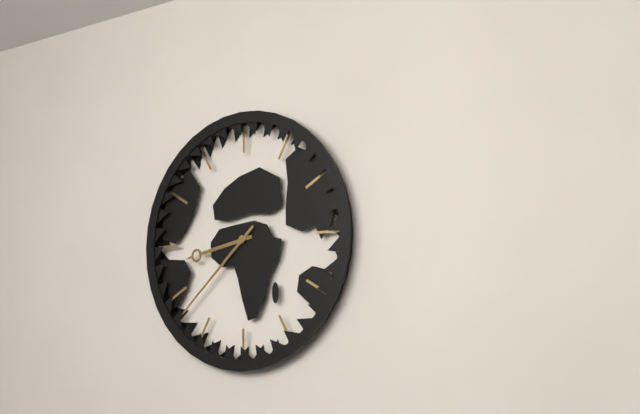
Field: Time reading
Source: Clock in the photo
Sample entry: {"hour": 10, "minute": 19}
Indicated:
{"hour": 8, "minute": 38}
